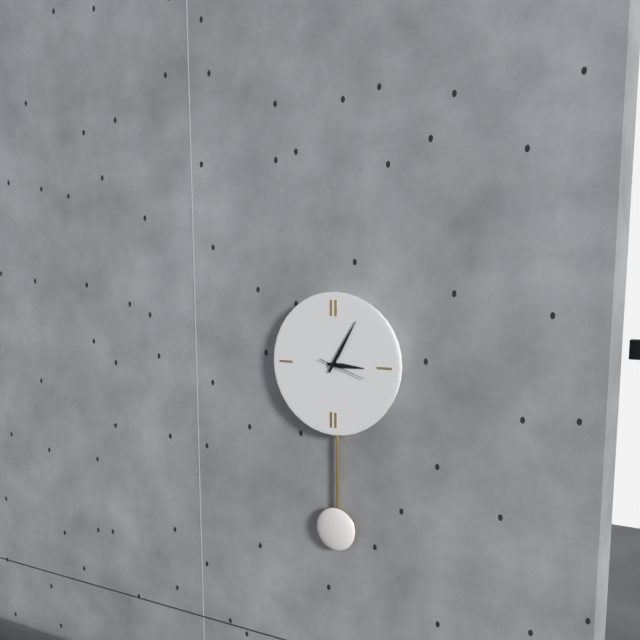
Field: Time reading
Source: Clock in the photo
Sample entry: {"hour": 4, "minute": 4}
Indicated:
{"hour": 3, "minute": 5}
